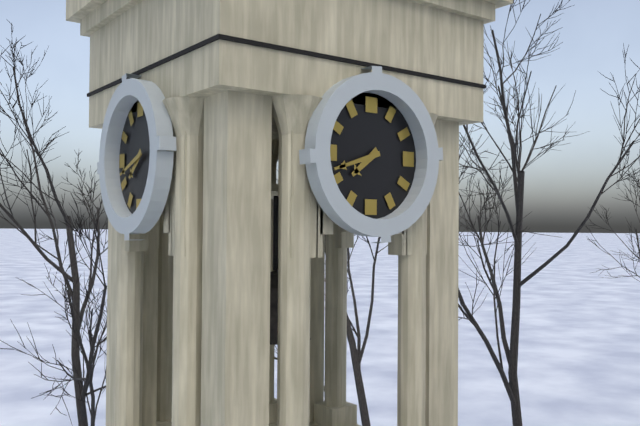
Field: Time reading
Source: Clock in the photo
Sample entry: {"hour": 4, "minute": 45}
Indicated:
{"hour": 7, "minute": 42}
